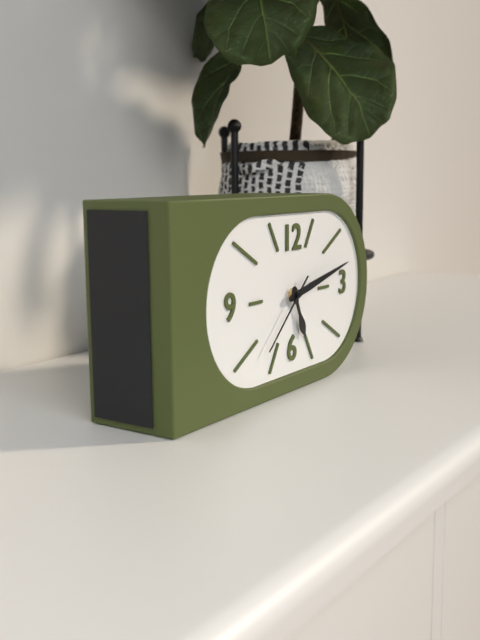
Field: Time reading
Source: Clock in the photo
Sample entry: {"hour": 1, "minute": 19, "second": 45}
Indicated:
{"hour": 5, "minute": 13, "second": 38}
